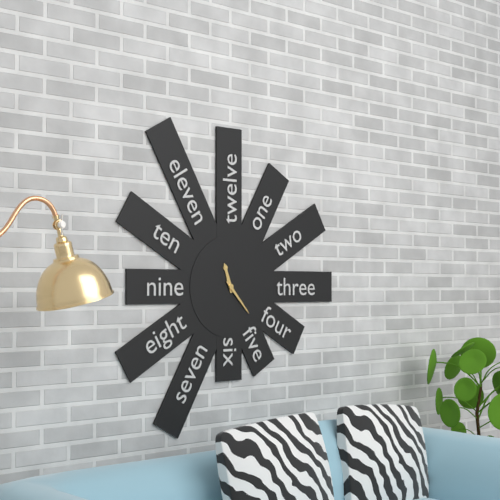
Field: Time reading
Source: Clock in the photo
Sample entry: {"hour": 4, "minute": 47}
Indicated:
{"hour": 11, "minute": 23}
